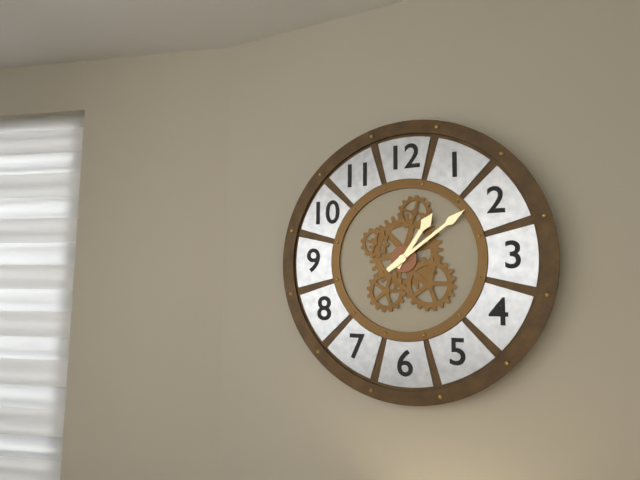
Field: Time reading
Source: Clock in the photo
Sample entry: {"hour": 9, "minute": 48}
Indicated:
{"hour": 1, "minute": 9}
